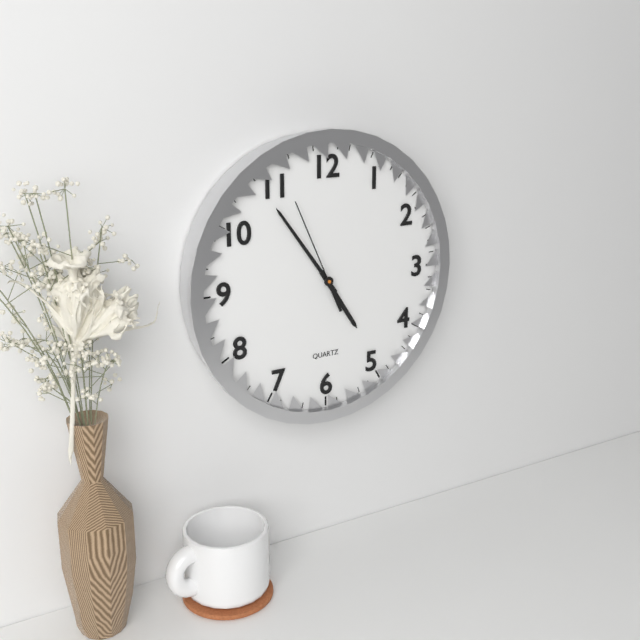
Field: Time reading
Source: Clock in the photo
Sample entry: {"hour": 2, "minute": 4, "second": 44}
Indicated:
{"hour": 4, "minute": 54, "second": 56}
